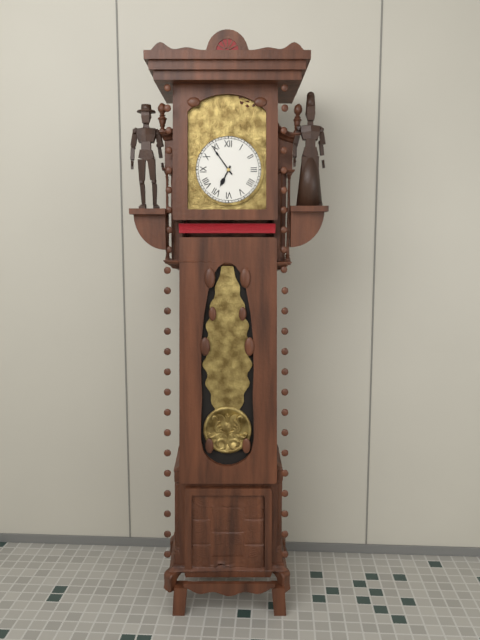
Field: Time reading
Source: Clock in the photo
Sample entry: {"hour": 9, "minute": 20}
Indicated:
{"hour": 6, "minute": 54}
